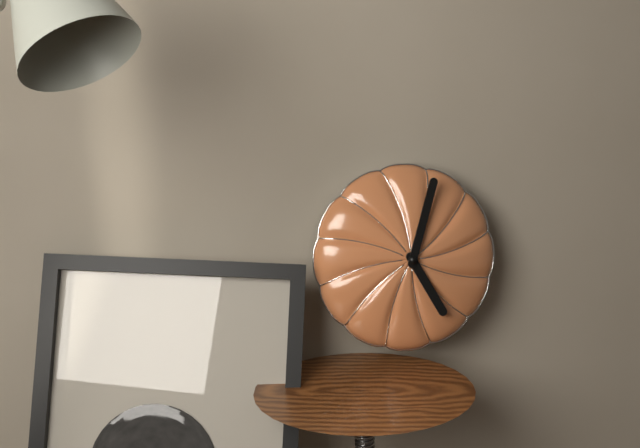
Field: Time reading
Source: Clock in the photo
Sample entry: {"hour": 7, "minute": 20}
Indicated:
{"hour": 5, "minute": 3}
